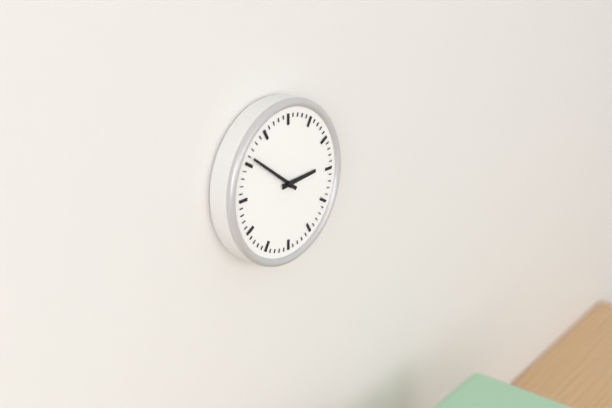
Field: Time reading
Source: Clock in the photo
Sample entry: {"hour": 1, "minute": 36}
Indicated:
{"hour": 2, "minute": 51}
